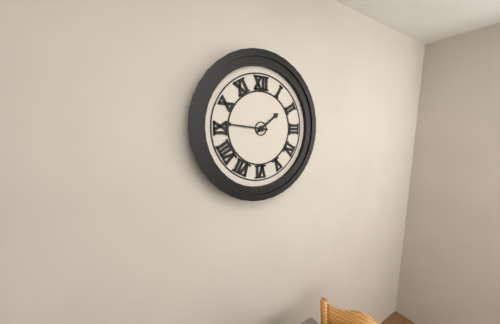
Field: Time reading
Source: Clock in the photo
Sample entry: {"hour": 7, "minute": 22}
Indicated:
{"hour": 1, "minute": 46}
